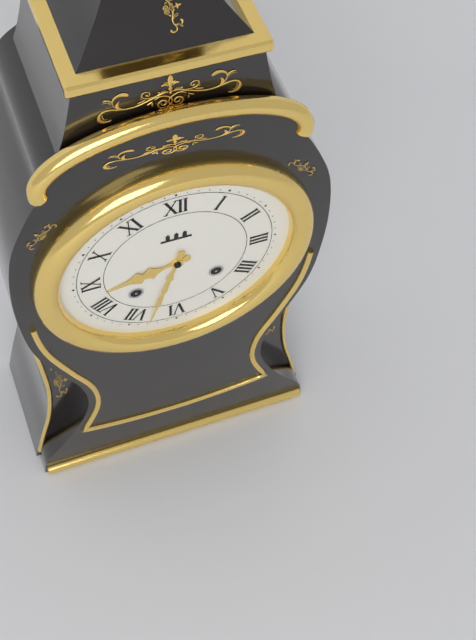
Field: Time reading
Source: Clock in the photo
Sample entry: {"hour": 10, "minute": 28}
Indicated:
{"hour": 8, "minute": 33}
